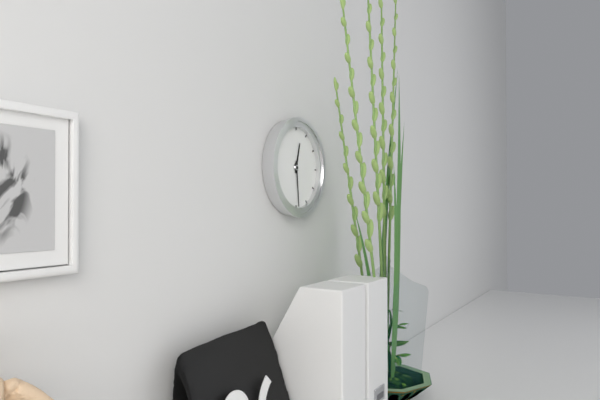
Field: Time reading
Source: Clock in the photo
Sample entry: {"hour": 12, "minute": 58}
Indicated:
{"hour": 12, "minute": 29}
